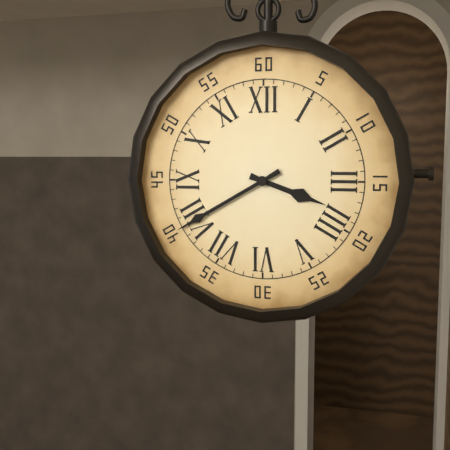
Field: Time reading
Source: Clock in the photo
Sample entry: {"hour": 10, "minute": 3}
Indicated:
{"hour": 3, "minute": 40}
